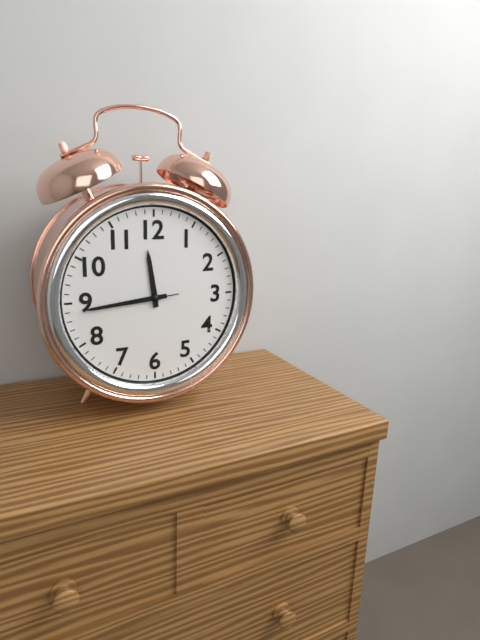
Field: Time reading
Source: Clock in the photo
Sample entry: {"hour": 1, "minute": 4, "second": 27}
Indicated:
{"hour": 11, "minute": 44, "second": 44}
